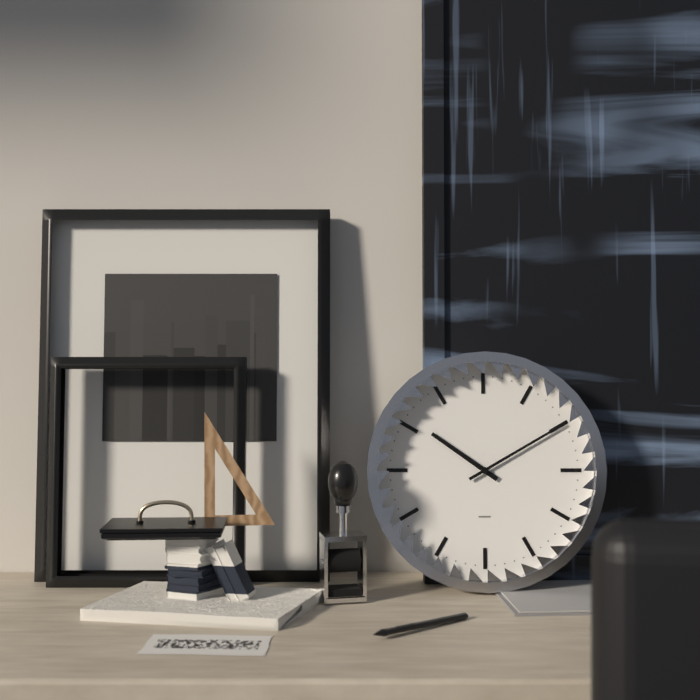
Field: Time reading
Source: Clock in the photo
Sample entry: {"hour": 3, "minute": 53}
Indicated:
{"hour": 10, "minute": 10}
